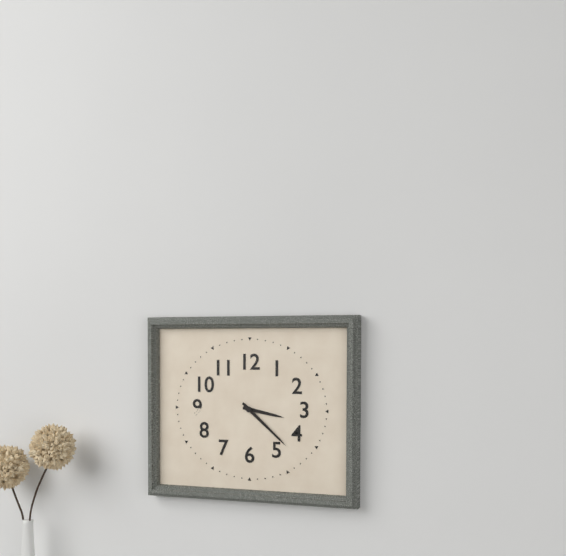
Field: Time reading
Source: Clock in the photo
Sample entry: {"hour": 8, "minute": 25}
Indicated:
{"hour": 3, "minute": 22}
